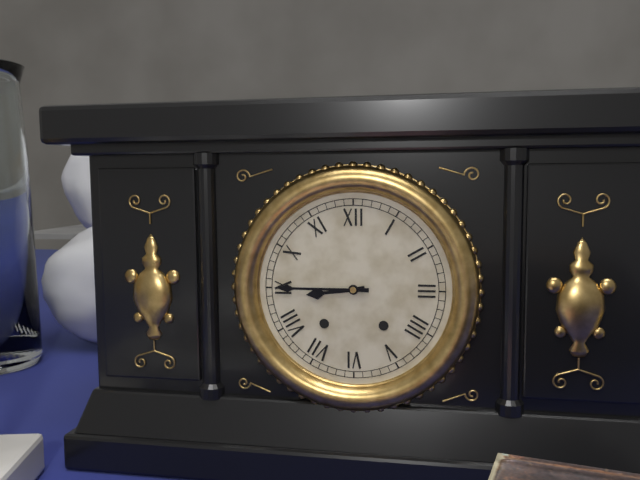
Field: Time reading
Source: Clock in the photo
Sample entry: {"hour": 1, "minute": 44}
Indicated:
{"hour": 8, "minute": 45}
